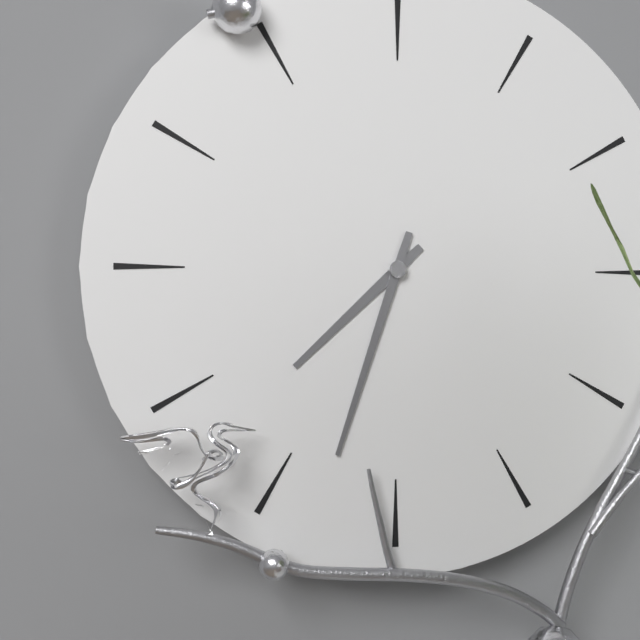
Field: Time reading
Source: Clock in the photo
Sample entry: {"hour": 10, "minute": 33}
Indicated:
{"hour": 7, "minute": 33}
